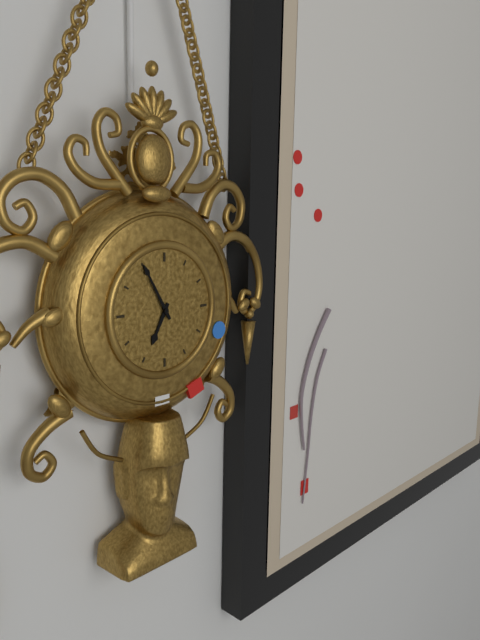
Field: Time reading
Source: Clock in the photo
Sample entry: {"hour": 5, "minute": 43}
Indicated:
{"hour": 6, "minute": 55}
